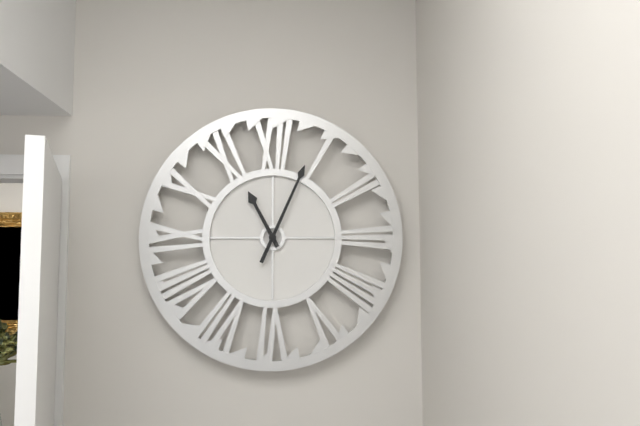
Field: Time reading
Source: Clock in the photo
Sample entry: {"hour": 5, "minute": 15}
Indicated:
{"hour": 11, "minute": 4}
